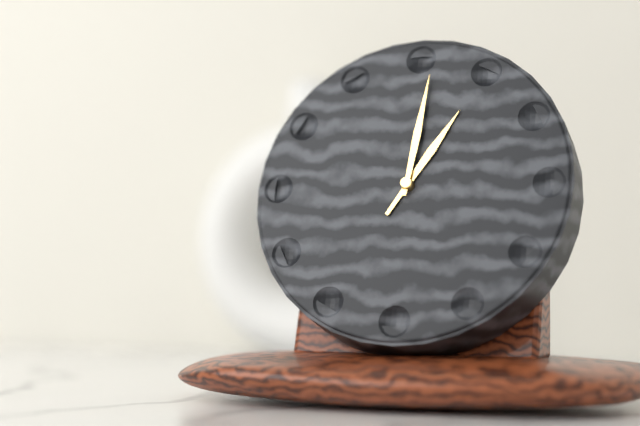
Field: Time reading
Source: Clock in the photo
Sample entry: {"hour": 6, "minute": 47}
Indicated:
{"hour": 1, "minute": 1}
